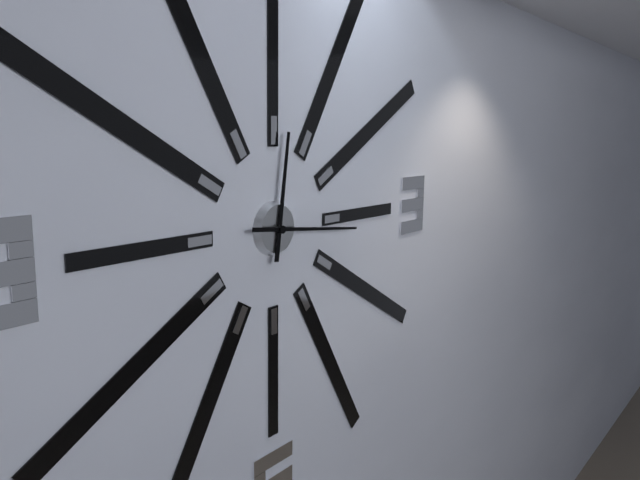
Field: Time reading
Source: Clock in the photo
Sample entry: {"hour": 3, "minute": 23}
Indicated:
{"hour": 12, "minute": 16}
